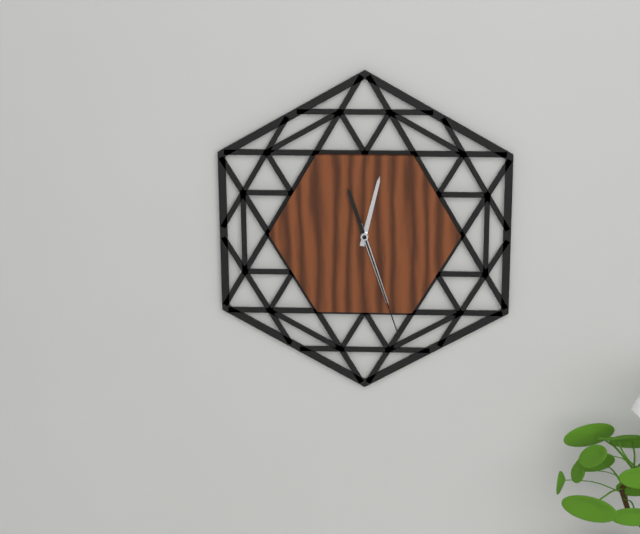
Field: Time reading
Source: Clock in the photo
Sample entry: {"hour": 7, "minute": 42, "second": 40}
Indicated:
{"hour": 12, "minute": 27, "second": 27}
